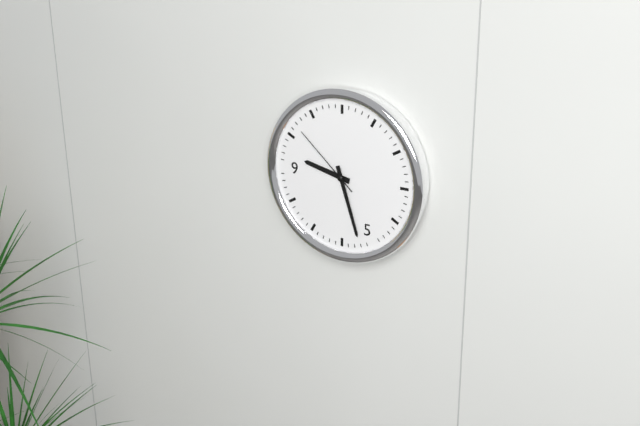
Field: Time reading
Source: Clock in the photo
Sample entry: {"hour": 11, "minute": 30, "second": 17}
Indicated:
{"hour": 9, "minute": 27, "second": 52}
